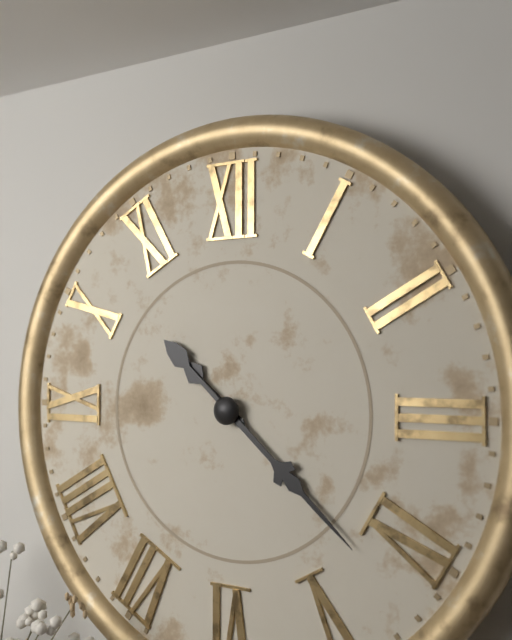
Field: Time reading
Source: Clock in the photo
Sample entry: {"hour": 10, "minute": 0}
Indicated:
{"hour": 10, "minute": 22}
